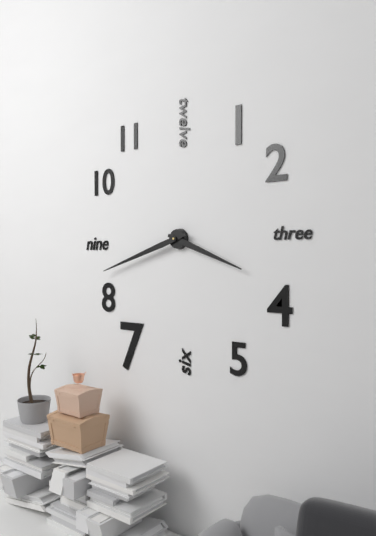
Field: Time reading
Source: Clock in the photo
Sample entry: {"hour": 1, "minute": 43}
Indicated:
{"hour": 3, "minute": 42}
